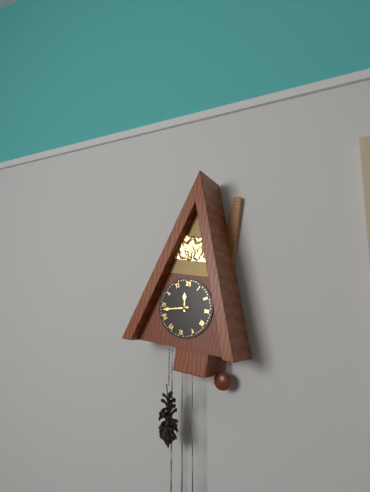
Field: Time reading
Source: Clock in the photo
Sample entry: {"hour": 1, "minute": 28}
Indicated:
{"hour": 11, "minute": 43}
